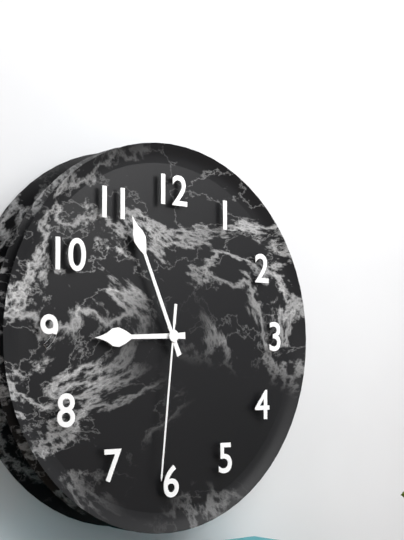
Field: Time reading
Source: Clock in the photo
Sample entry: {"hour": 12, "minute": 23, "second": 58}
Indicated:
{"hour": 8, "minute": 56, "second": 31}
